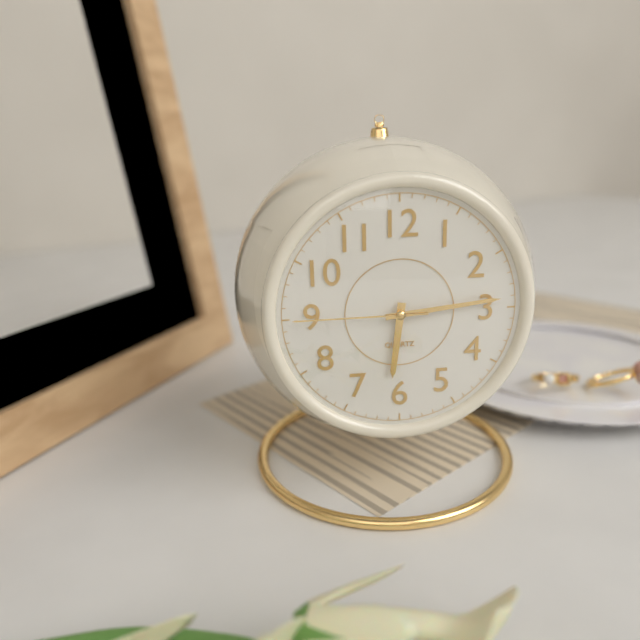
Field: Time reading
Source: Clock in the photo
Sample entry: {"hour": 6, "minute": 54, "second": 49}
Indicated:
{"hour": 6, "minute": 14, "second": 45}
